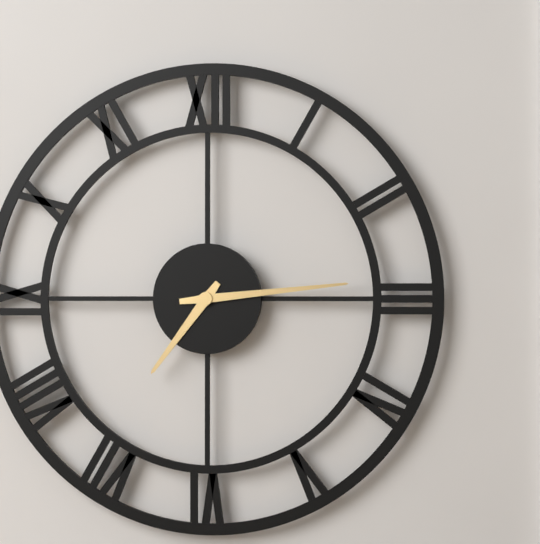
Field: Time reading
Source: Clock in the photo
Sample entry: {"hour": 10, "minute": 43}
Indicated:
{"hour": 7, "minute": 14}
